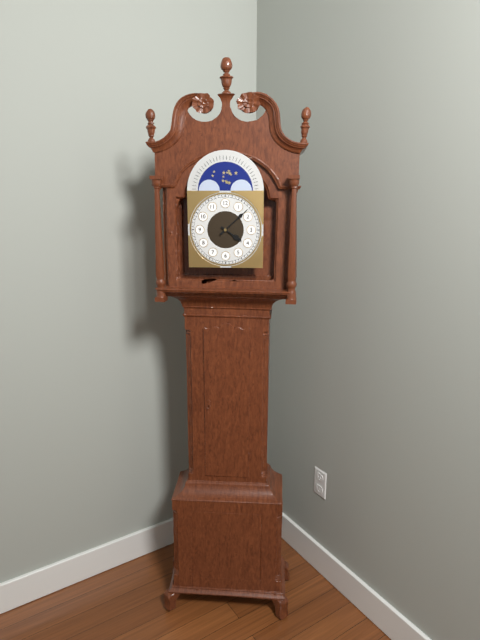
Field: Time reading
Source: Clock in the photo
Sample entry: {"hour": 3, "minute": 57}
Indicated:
{"hour": 4, "minute": 8}
